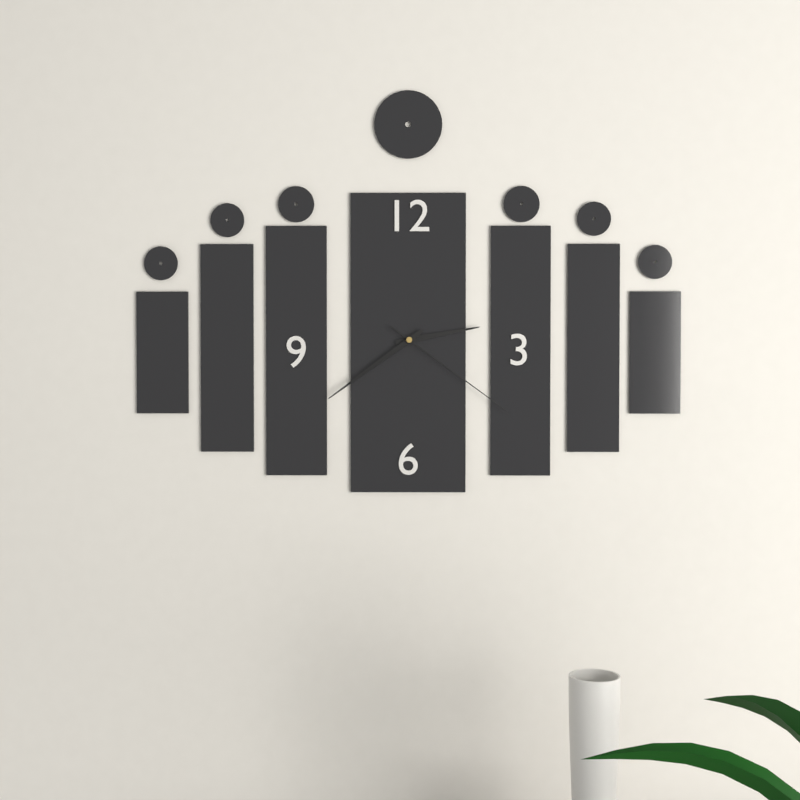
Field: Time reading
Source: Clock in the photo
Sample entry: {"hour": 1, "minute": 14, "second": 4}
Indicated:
{"hour": 2, "minute": 39, "second": 21}
